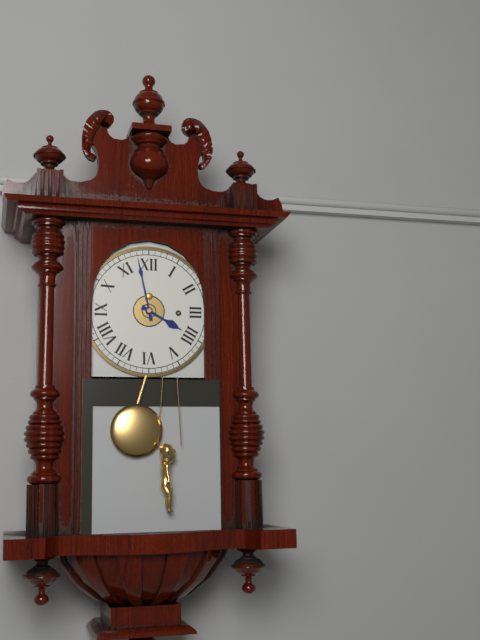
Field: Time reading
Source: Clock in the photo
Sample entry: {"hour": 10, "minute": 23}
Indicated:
{"hour": 3, "minute": 58}
